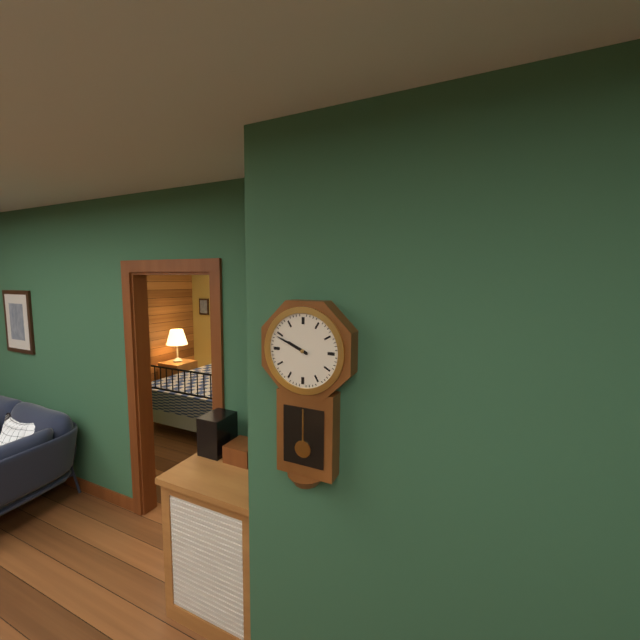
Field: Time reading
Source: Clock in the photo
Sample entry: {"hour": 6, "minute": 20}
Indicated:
{"hour": 9, "minute": 49}
